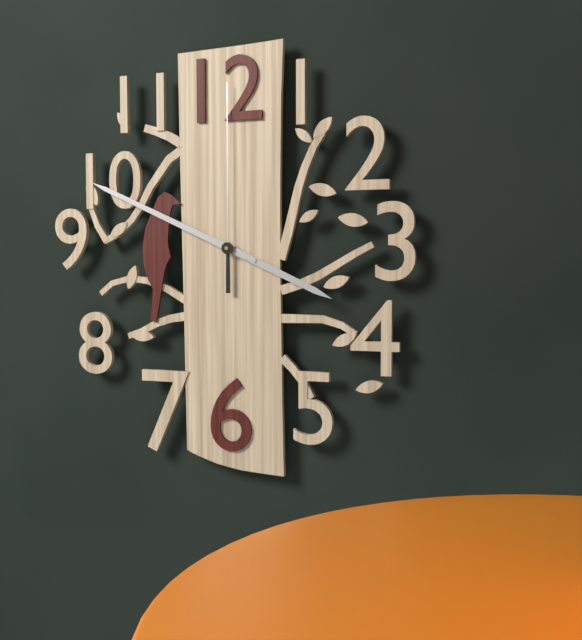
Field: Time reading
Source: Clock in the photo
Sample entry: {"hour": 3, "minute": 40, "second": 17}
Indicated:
{"hour": 3, "minute": 49, "second": 0}
